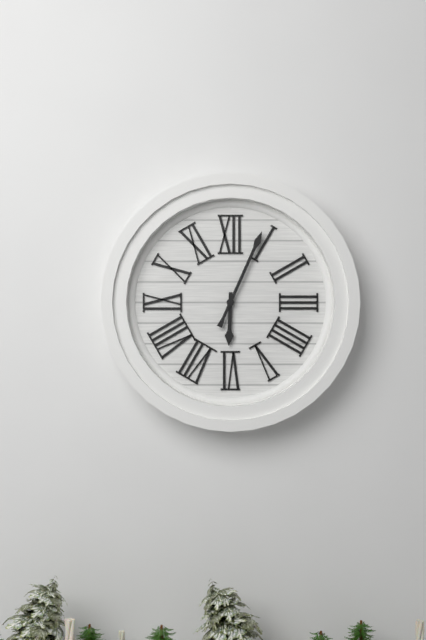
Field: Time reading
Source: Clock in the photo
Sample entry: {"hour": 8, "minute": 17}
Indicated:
{"hour": 6, "minute": 4}
